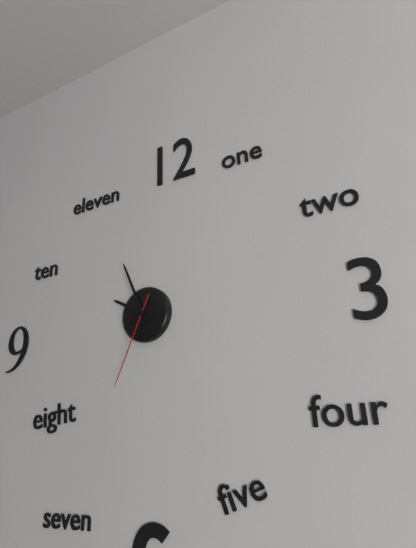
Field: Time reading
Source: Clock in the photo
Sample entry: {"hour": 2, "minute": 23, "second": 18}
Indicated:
{"hour": 9, "minute": 56, "second": 34}
